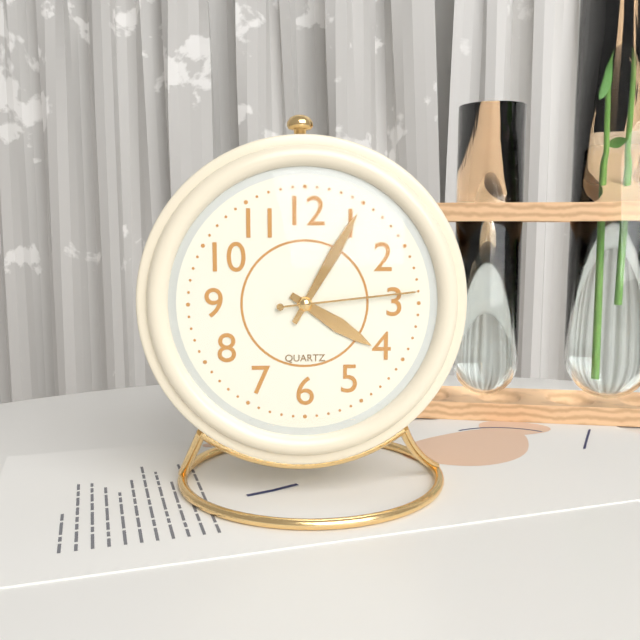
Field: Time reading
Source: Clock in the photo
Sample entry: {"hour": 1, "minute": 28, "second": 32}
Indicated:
{"hour": 4, "minute": 5, "second": 14}
